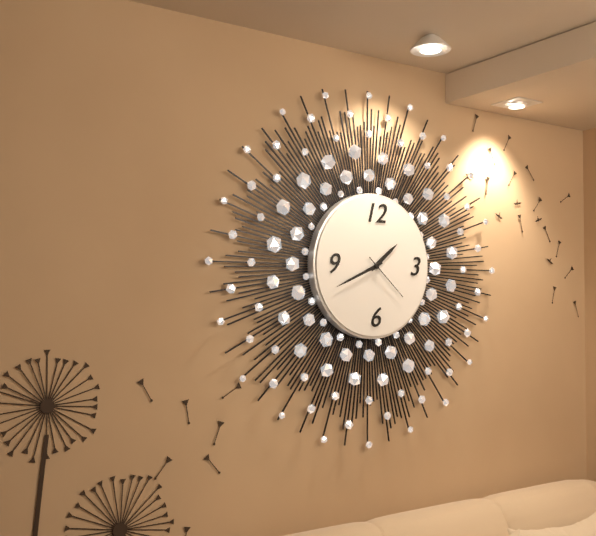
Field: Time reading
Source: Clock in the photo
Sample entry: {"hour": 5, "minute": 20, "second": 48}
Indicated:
{"hour": 1, "minute": 41, "second": 22}
